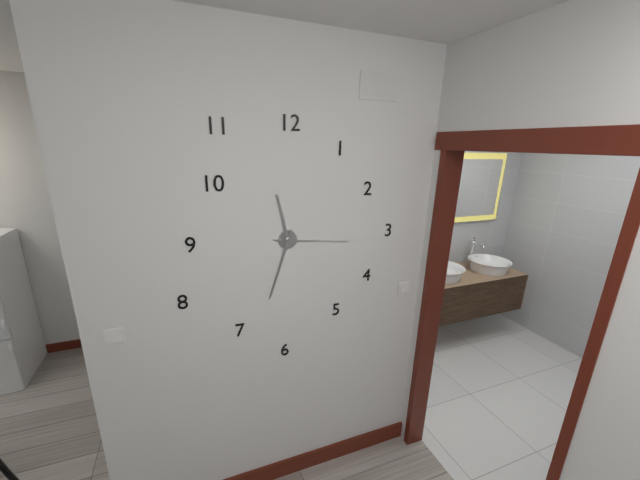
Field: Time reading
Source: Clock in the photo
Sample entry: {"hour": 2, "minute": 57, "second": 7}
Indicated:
{"hour": 11, "minute": 33, "second": 16}
